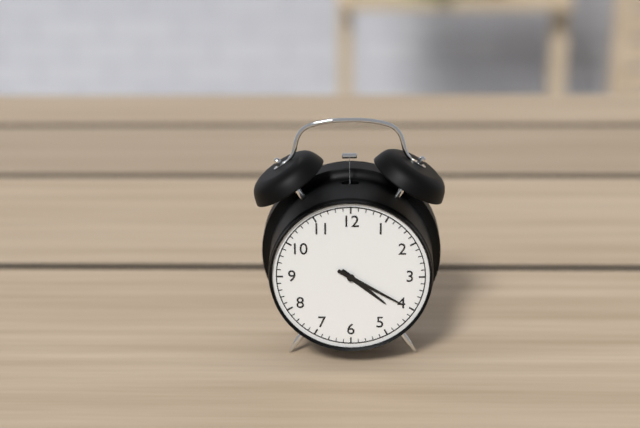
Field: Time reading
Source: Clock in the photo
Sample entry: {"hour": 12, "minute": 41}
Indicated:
{"hour": 4, "minute": 20}
